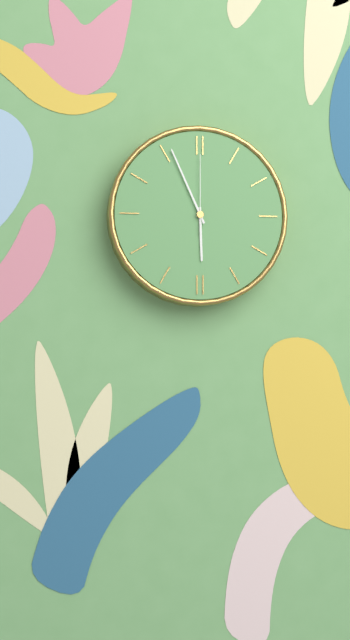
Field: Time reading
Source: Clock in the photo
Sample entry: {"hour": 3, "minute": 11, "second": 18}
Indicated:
{"hour": 5, "minute": 56, "second": 0}
